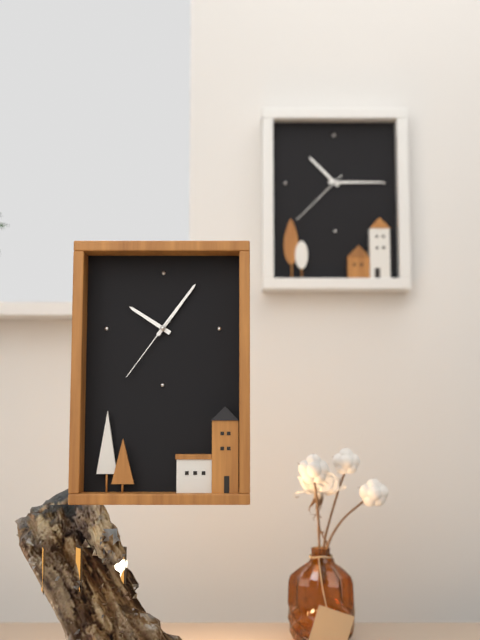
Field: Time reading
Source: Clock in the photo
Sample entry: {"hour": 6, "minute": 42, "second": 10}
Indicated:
{"hour": 10, "minute": 6, "second": 36}
